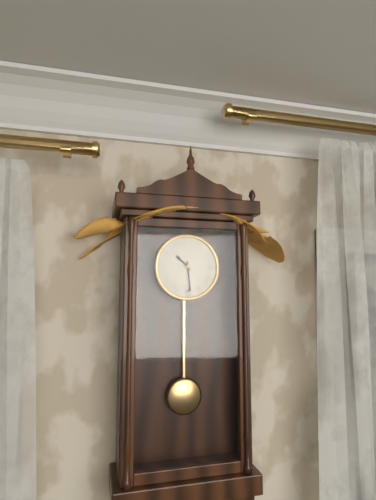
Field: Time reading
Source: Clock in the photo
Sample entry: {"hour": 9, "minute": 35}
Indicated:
{"hour": 10, "minute": 29}
